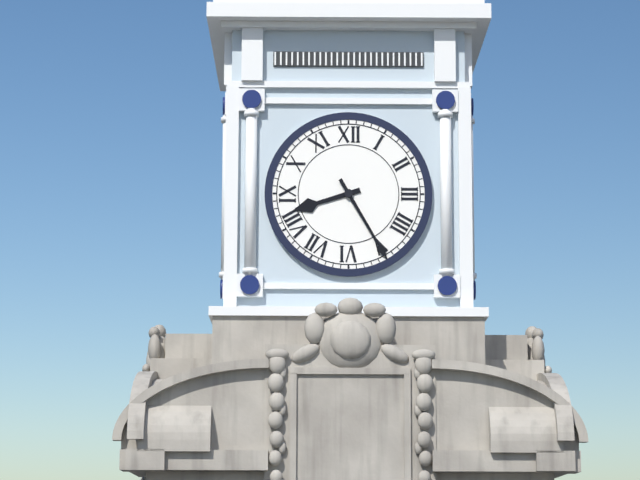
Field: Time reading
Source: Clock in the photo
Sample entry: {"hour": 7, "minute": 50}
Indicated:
{"hour": 8, "minute": 25}
